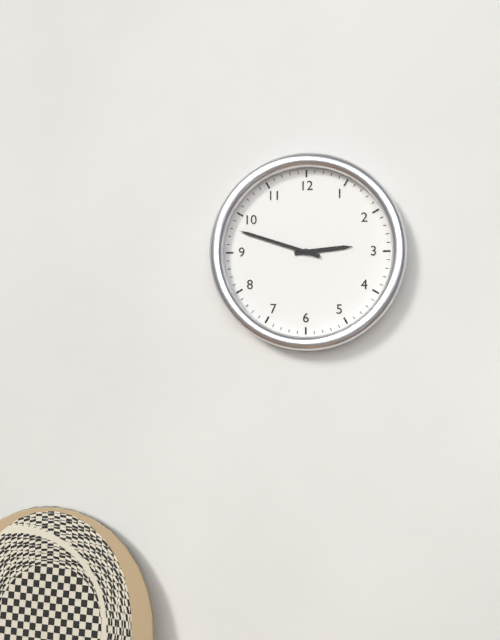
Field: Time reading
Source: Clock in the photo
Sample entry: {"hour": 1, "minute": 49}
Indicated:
{"hour": 2, "minute": 48}
